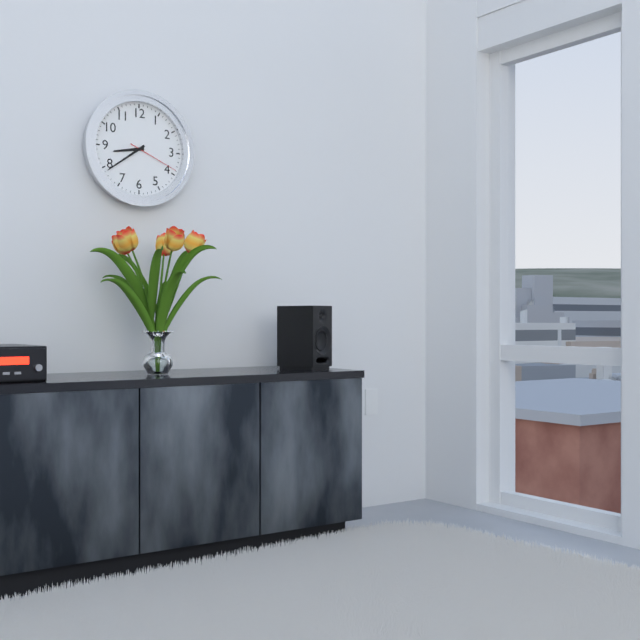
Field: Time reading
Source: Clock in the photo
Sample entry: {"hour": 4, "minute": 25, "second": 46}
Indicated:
{"hour": 8, "minute": 39, "second": 19}
